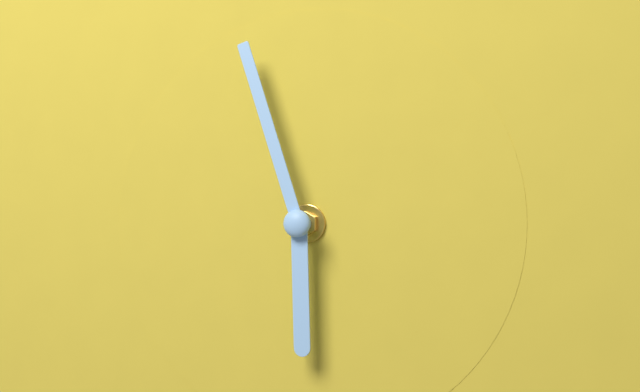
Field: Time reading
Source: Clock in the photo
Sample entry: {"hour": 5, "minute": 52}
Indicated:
{"hour": 5, "minute": 57}
